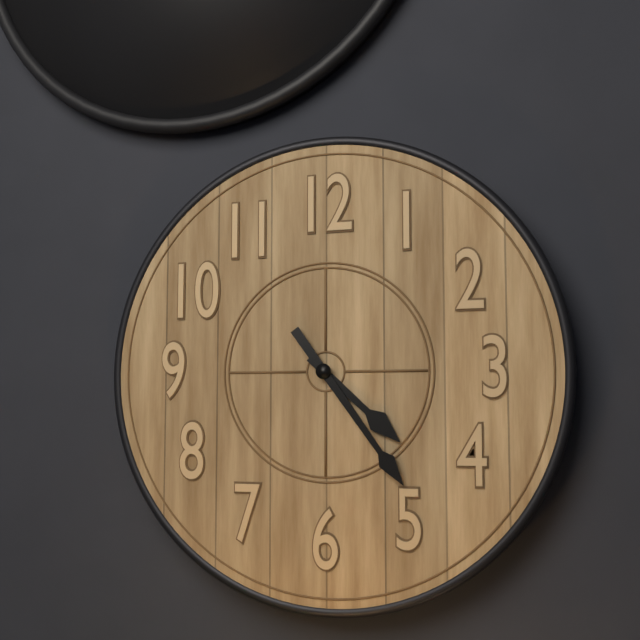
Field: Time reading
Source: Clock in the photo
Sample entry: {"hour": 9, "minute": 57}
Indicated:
{"hour": 4, "minute": 24}
